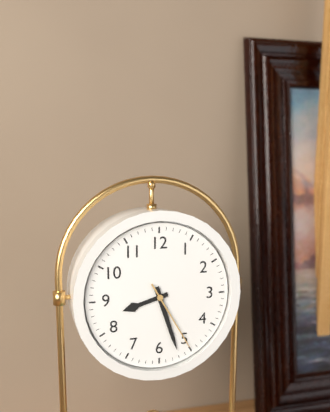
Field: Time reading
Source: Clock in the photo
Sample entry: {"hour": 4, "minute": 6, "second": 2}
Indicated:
{"hour": 8, "minute": 27, "second": 25}
